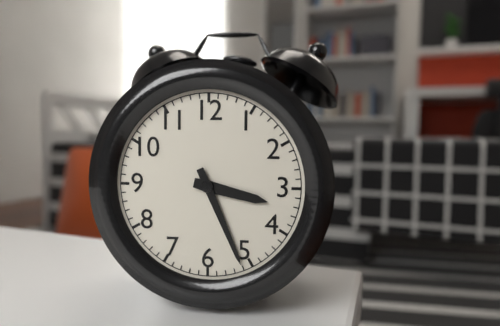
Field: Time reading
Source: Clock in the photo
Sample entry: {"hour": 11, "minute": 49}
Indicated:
{"hour": 3, "minute": 26}
